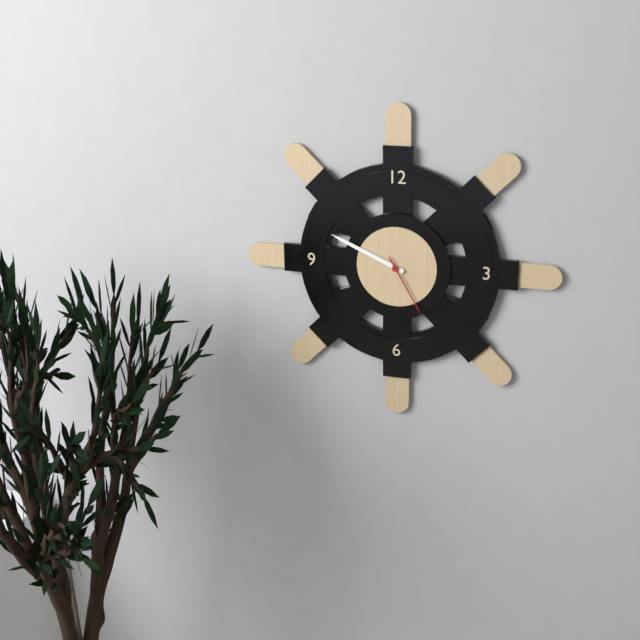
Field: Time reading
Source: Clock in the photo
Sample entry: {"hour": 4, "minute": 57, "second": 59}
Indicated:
{"hour": 9, "minute": 49, "second": 25}
